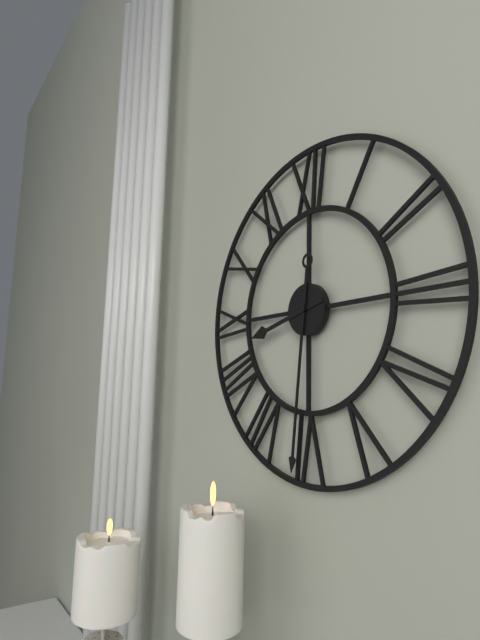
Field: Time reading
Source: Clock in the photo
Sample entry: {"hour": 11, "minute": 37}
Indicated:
{"hour": 8, "minute": 31}
